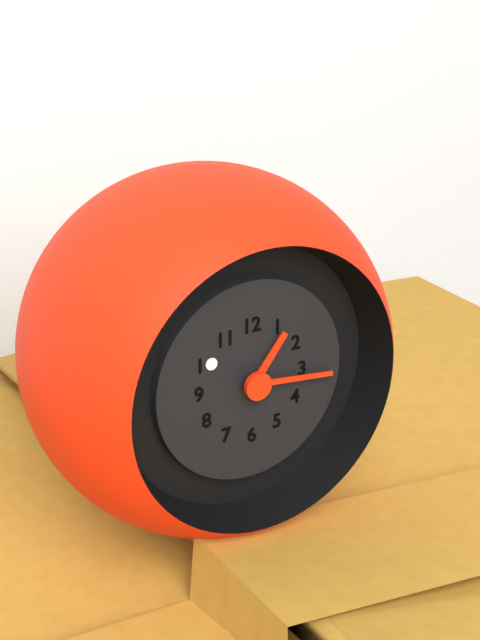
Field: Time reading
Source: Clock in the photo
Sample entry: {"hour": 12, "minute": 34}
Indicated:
{"hour": 1, "minute": 16}
